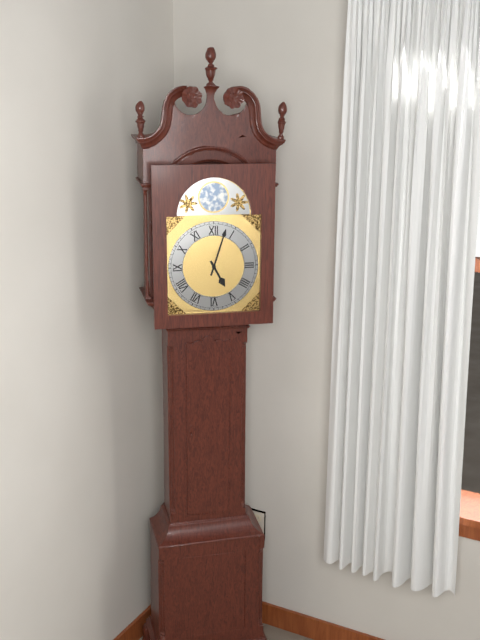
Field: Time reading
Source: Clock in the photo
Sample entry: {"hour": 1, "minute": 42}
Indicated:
{"hour": 5, "minute": 3}
